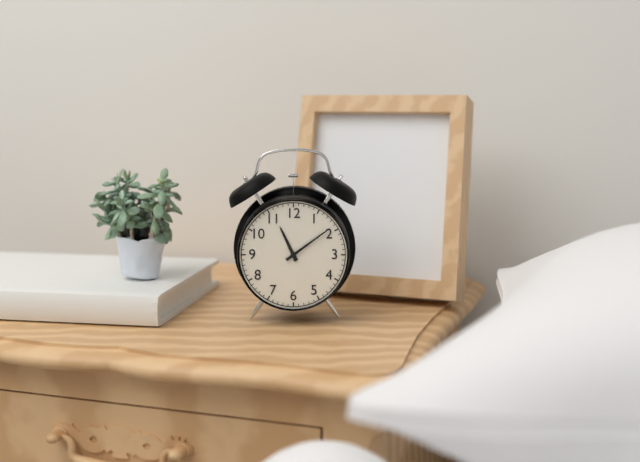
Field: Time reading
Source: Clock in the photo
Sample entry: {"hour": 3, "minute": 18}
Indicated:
{"hour": 11, "minute": 9}
